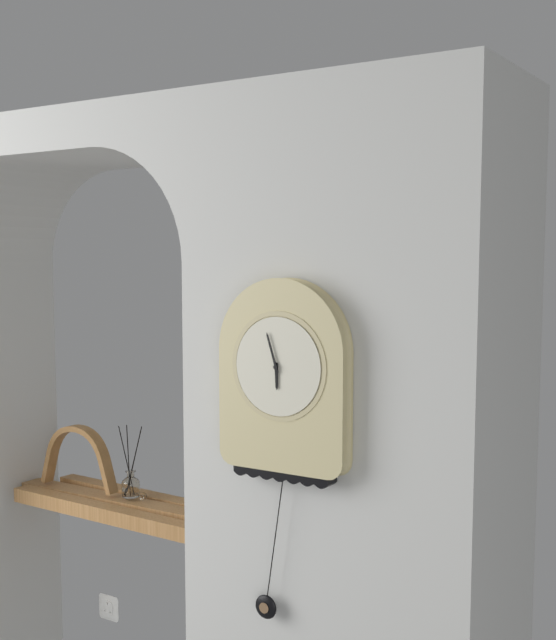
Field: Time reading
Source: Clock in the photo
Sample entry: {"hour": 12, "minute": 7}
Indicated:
{"hour": 5, "minute": 57}
